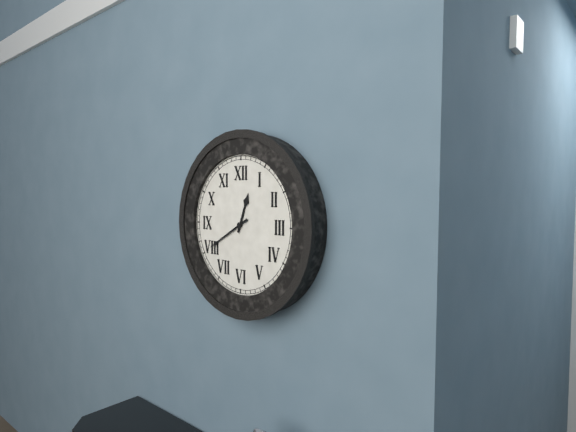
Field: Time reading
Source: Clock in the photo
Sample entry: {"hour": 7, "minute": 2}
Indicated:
{"hour": 12, "minute": 40}
